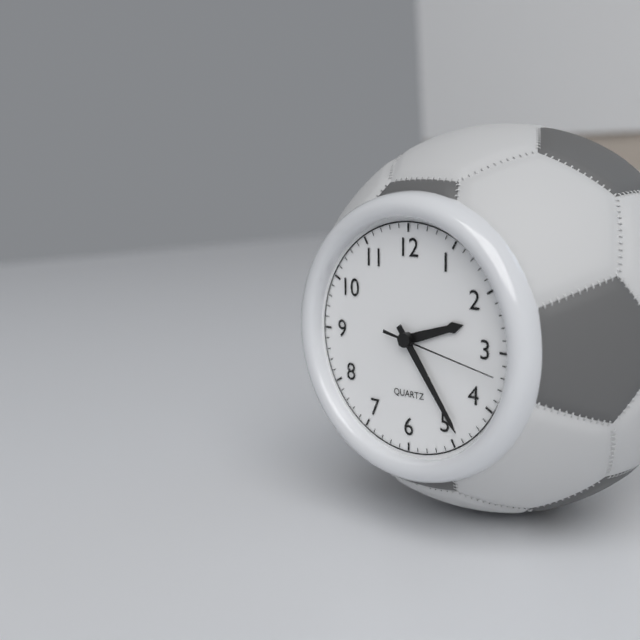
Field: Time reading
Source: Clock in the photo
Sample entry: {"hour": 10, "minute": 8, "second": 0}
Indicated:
{"hour": 2, "minute": 24, "second": 17}
